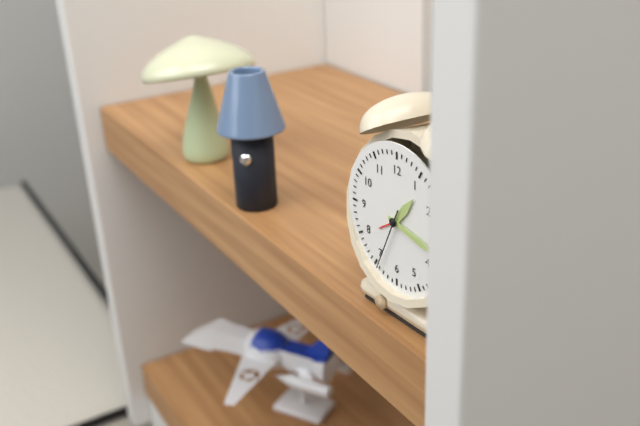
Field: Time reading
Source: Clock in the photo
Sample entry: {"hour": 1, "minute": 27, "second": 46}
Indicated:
{"hour": 1, "minute": 17, "second": 34}
